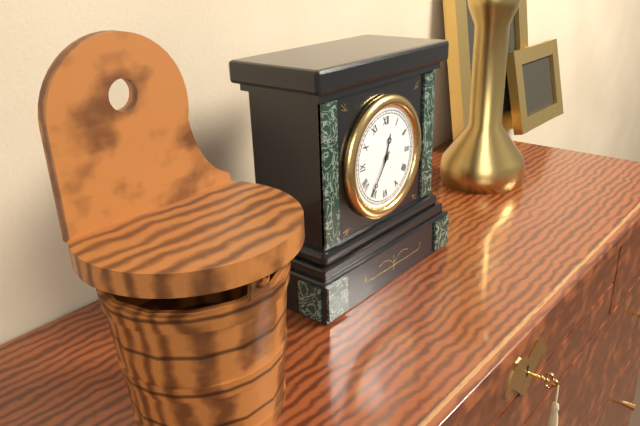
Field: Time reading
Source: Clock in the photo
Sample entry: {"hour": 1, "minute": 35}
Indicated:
{"hour": 12, "minute": 36}
